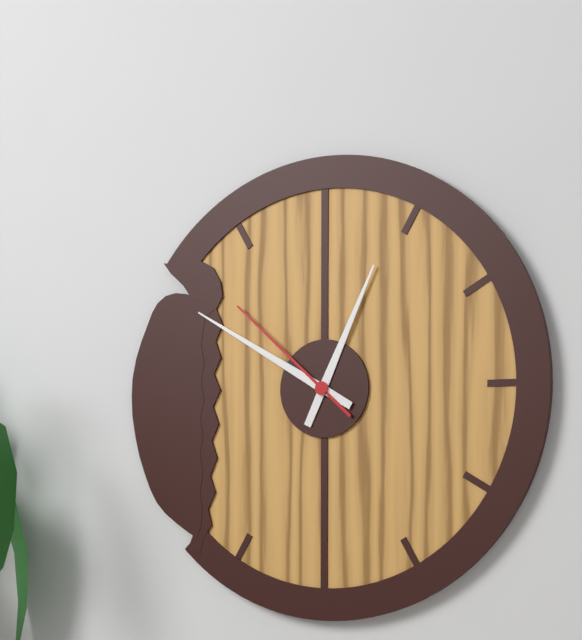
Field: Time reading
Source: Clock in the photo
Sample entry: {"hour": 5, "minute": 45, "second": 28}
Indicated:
{"hour": 12, "minute": 50, "second": 52}
